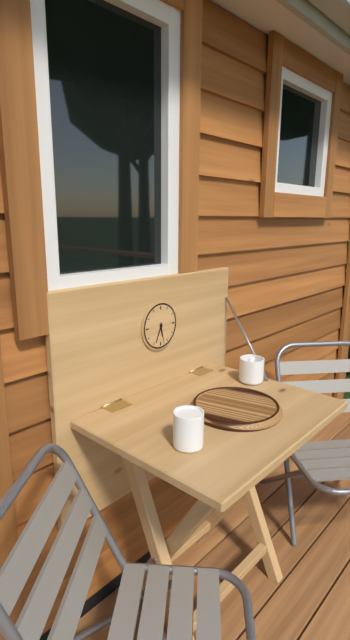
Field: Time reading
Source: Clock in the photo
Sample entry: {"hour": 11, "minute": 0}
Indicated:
{"hour": 5, "minute": 34}
